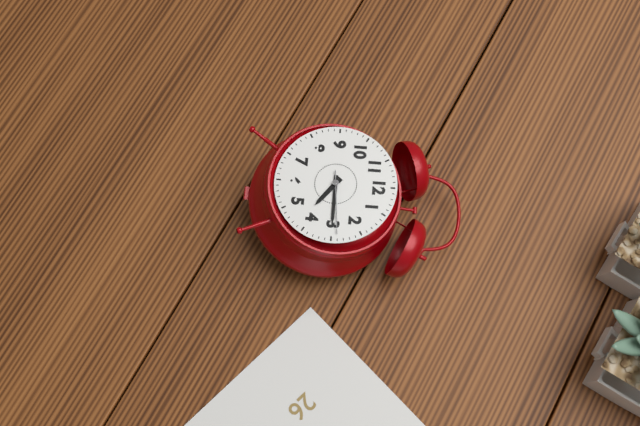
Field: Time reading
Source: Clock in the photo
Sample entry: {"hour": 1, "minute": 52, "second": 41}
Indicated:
{"hour": 4, "minute": 15, "second": 14}
